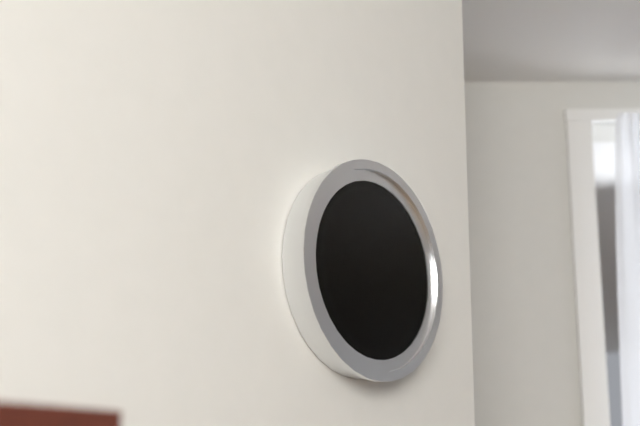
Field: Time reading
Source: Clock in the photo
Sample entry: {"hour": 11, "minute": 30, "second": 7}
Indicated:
{"hour": 9, "minute": 56, "second": 14}
